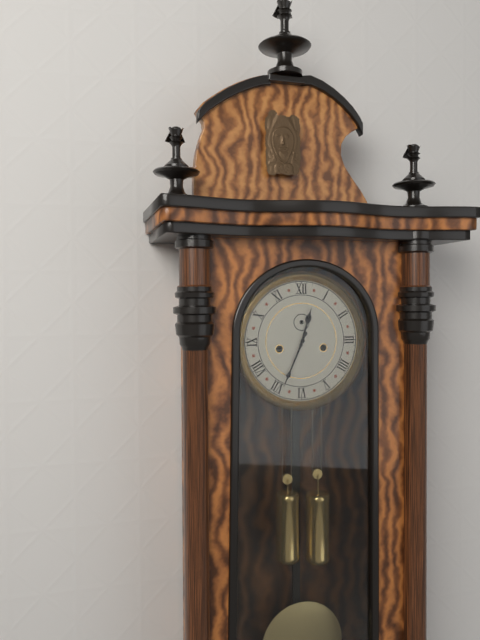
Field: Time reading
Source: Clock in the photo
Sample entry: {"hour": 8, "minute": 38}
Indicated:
{"hour": 12, "minute": 34}
